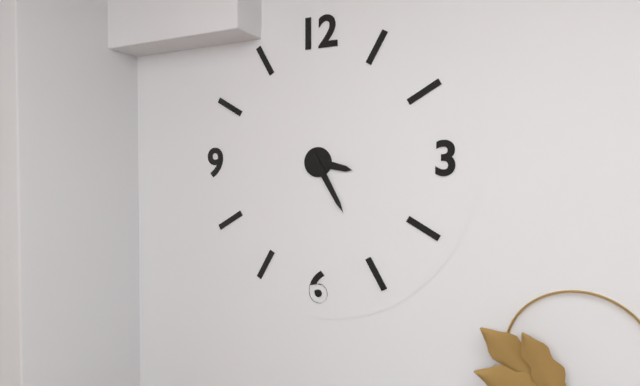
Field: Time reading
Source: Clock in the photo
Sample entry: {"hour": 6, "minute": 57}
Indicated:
{"hour": 3, "minute": 25}
